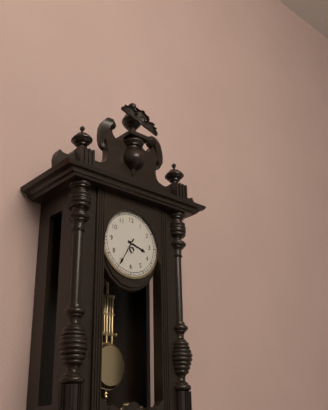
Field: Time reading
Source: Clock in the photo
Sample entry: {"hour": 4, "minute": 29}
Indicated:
{"hour": 3, "minute": 35}
